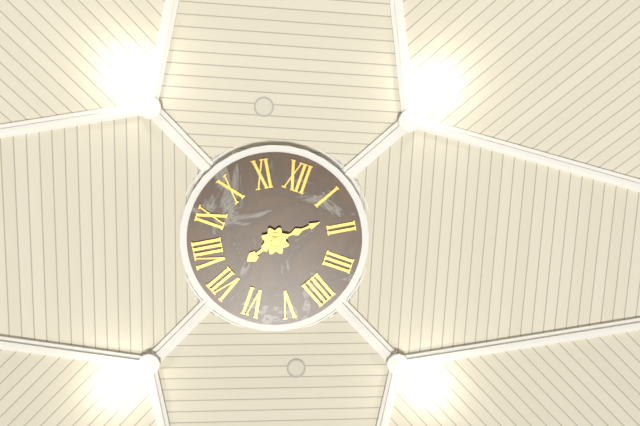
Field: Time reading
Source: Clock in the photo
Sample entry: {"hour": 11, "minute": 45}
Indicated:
{"hour": 7, "minute": 8}
